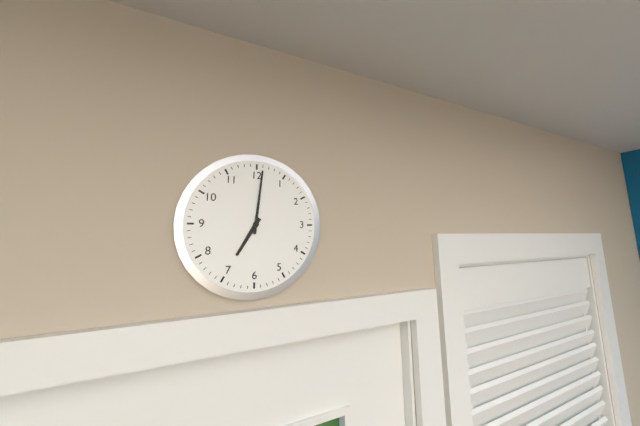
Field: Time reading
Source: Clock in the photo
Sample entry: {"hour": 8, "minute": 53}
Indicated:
{"hour": 7, "minute": 1}
